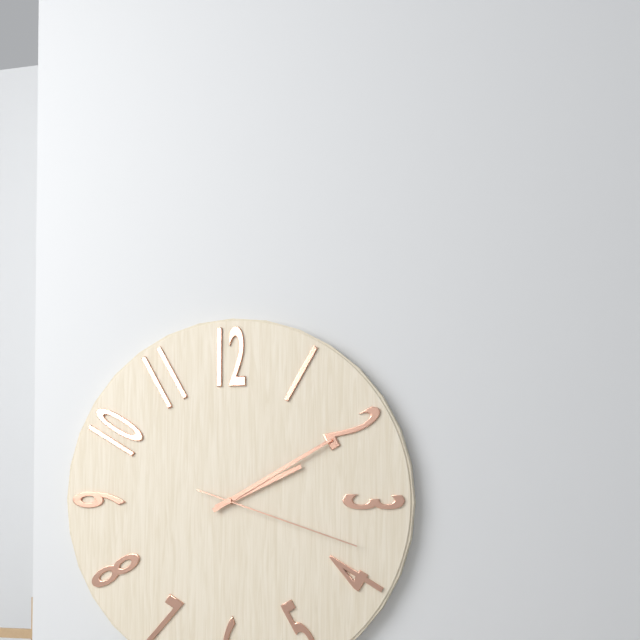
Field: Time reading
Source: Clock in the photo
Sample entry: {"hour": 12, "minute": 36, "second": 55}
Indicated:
{"hour": 2, "minute": 10, "second": 18}
